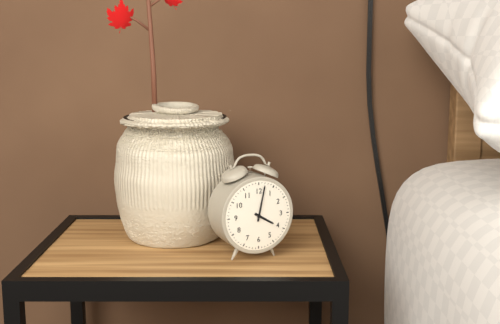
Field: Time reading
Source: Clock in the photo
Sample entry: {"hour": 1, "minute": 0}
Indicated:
{"hour": 4, "minute": 2}
